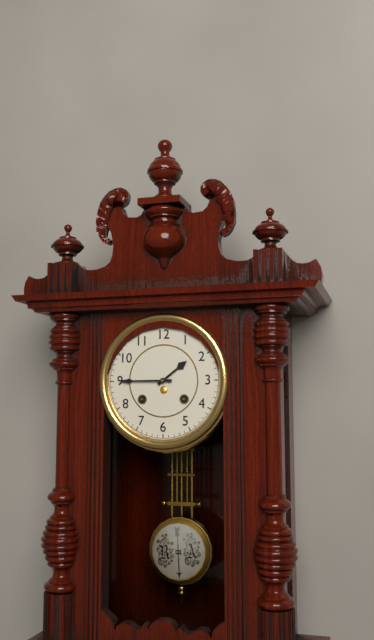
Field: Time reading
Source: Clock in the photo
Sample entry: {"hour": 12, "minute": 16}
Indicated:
{"hour": 1, "minute": 45}
